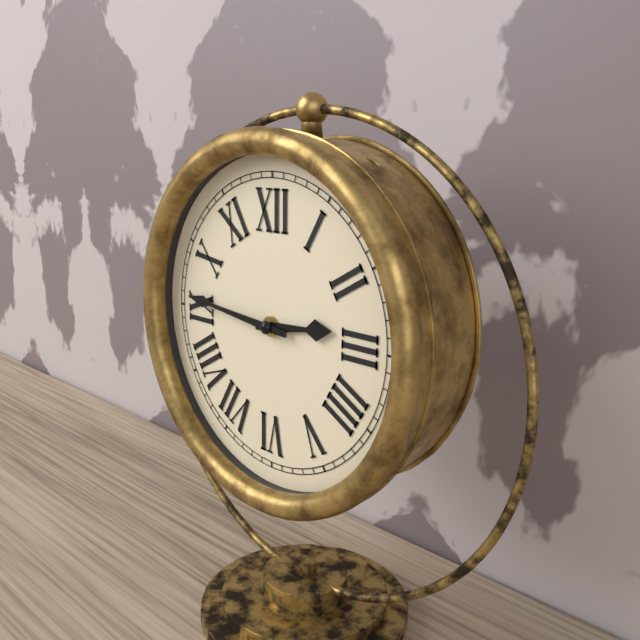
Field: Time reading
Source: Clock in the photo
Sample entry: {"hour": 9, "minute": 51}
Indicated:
{"hour": 2, "minute": 46}
